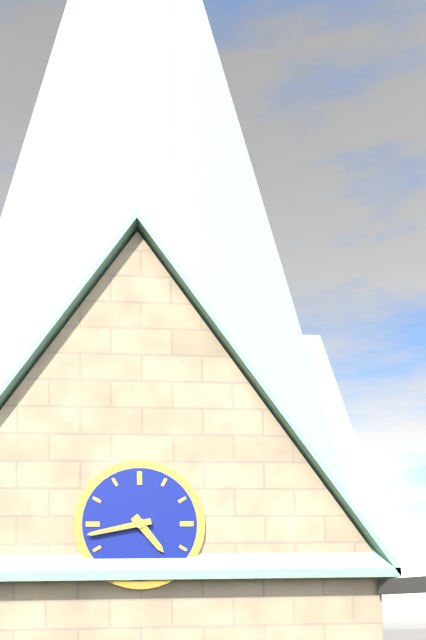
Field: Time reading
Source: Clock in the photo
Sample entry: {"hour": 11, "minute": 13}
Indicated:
{"hour": 4, "minute": 43}
